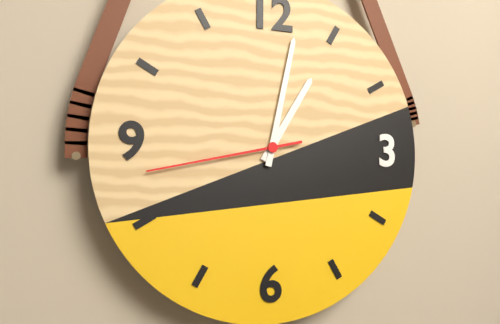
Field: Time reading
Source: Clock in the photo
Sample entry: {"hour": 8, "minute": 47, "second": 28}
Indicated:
{"hour": 1, "minute": 2, "second": 43}
